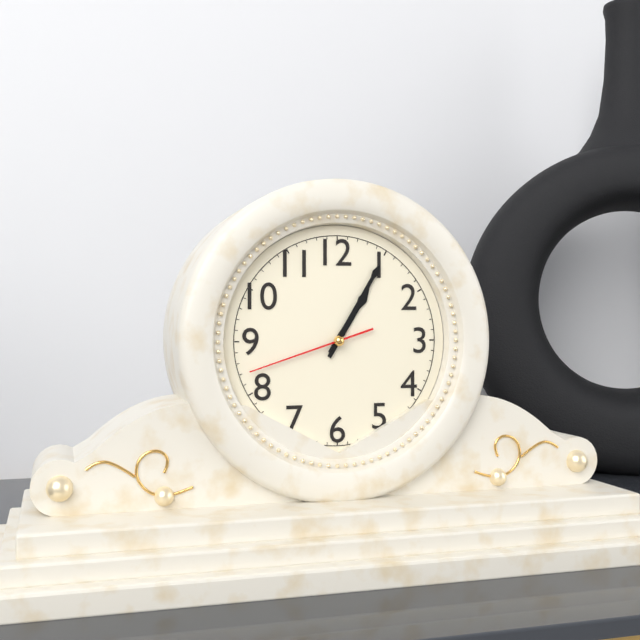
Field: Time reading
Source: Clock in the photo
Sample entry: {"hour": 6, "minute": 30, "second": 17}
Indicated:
{"hour": 1, "minute": 5, "second": 42}
